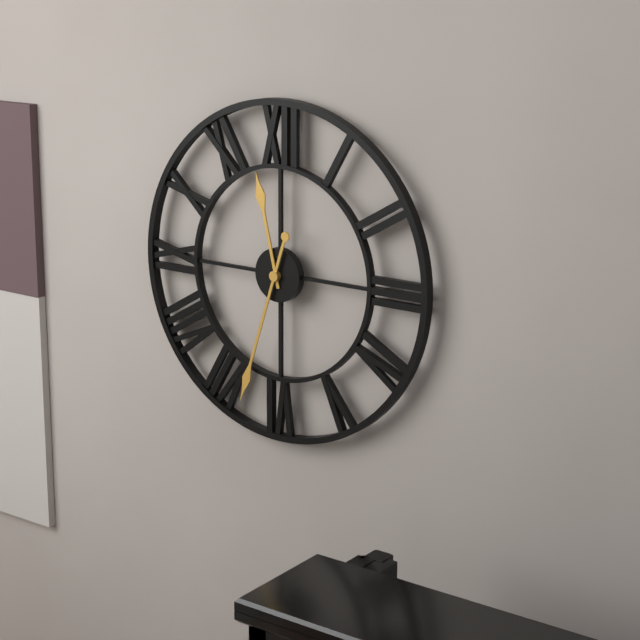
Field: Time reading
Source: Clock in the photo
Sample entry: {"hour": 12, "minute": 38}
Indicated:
{"hour": 11, "minute": 33}
